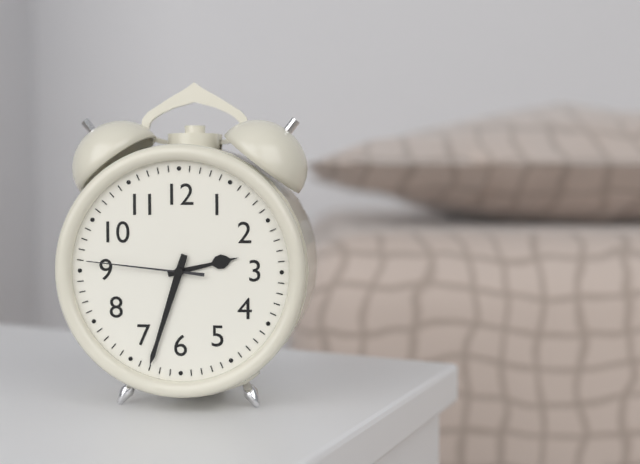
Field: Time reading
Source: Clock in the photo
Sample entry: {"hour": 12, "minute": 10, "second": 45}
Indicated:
{"hour": 2, "minute": 33, "second": 46}
